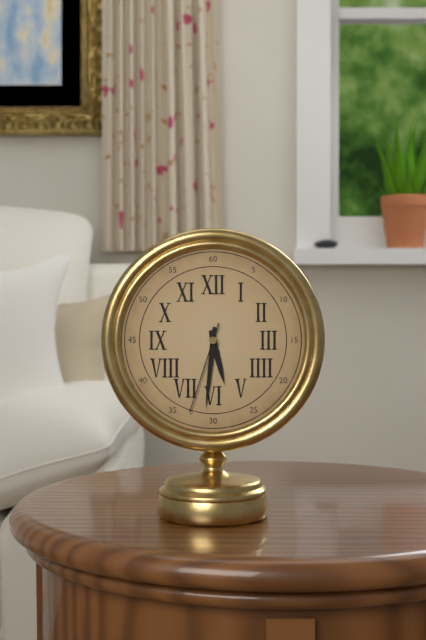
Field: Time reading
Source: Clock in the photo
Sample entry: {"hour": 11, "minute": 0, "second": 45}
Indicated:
{"hour": 5, "minute": 31, "second": 33}
